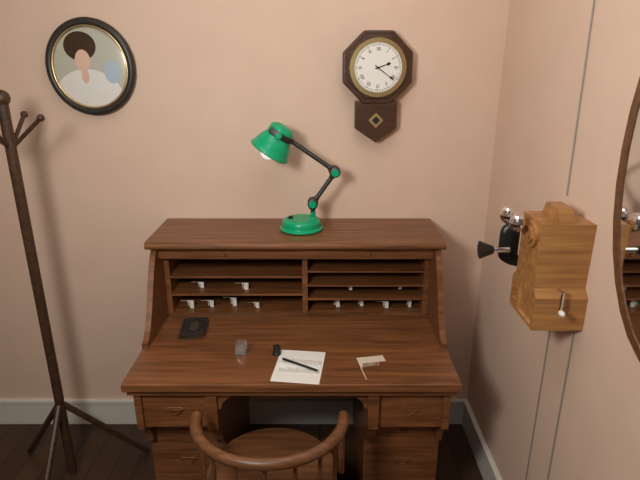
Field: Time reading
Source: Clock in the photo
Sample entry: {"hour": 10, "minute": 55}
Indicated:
{"hour": 2, "minute": 21}
